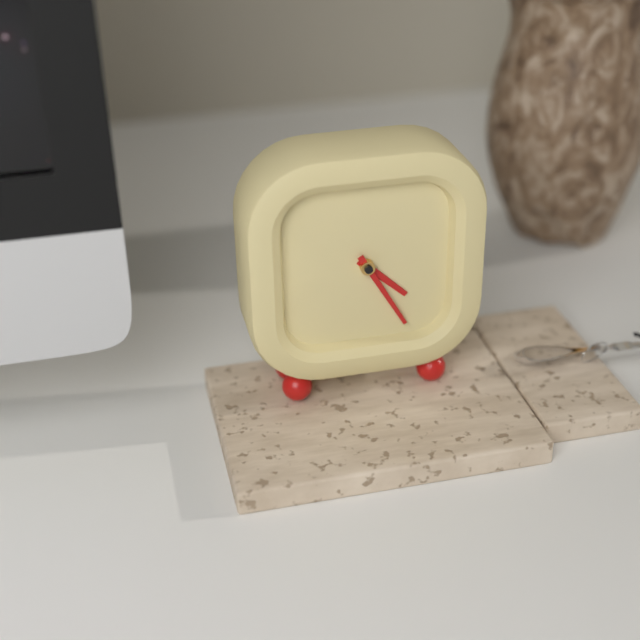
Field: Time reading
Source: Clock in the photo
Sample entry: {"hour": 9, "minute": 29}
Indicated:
{"hour": 4, "minute": 25}
